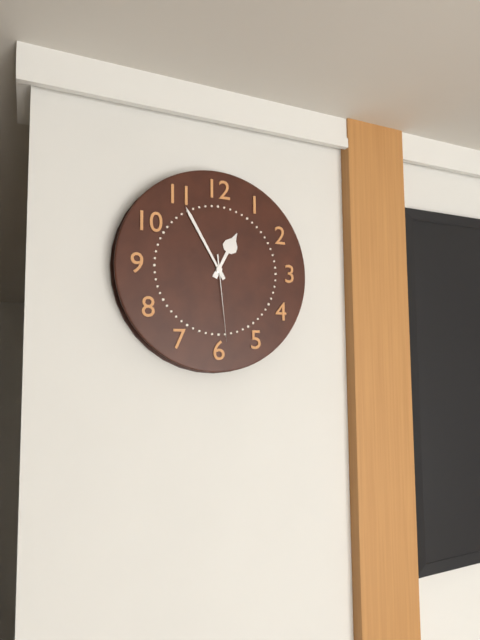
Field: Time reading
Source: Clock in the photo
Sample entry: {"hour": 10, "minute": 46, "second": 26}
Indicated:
{"hour": 12, "minute": 55, "second": 29}
